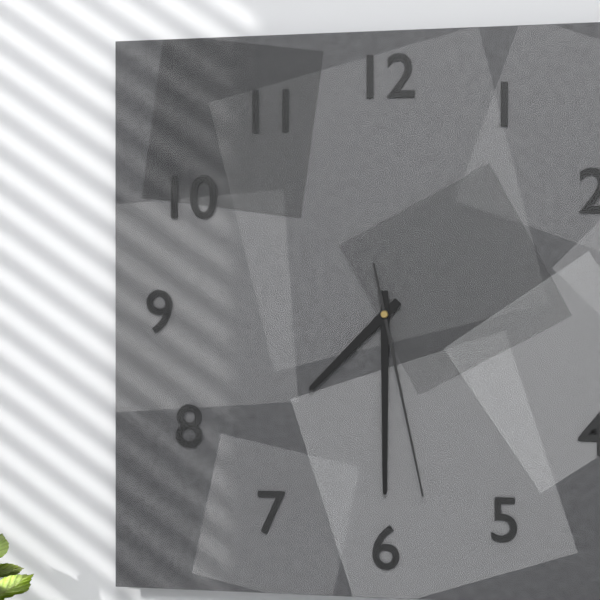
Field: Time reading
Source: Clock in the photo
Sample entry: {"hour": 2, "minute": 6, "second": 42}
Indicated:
{"hour": 7, "minute": 30, "second": 28}
